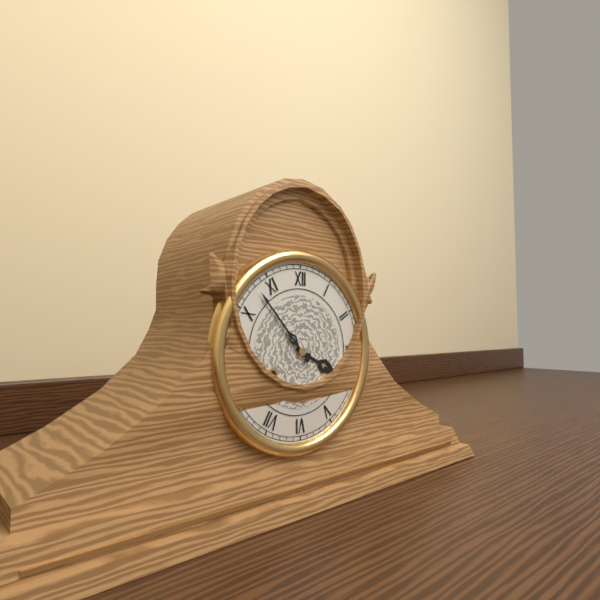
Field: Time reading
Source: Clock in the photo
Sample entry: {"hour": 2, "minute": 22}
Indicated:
{"hour": 3, "minute": 53}
